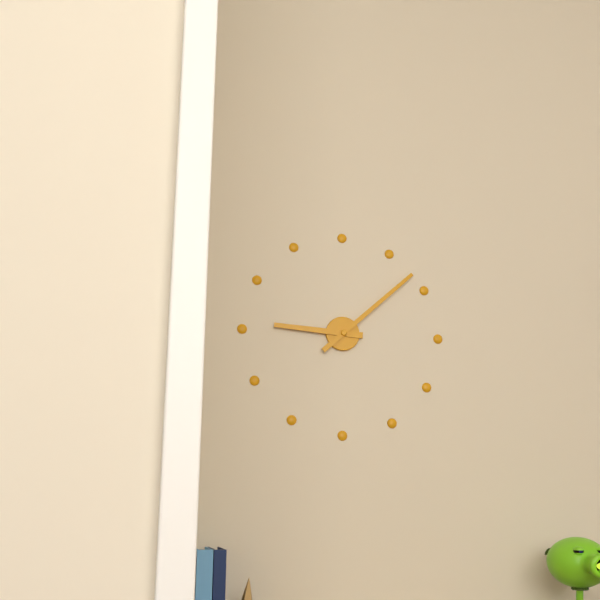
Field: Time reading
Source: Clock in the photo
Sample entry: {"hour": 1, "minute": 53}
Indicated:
{"hour": 9, "minute": 8}
